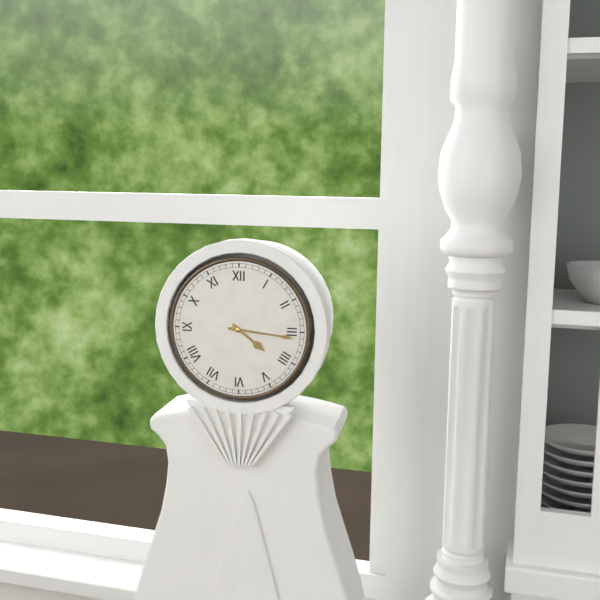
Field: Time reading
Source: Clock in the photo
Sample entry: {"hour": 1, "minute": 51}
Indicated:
{"hour": 4, "minute": 16}
